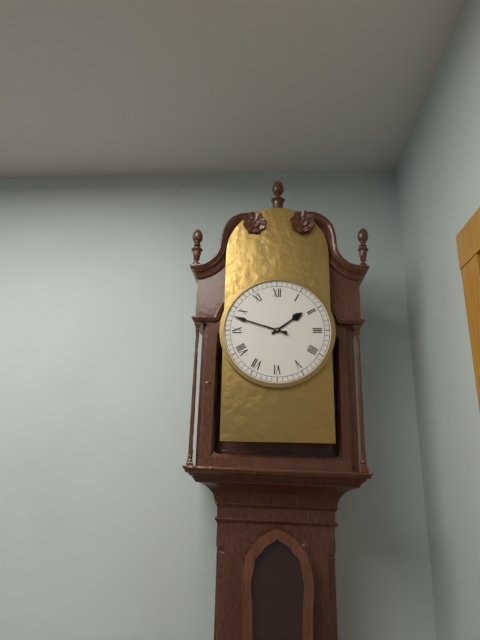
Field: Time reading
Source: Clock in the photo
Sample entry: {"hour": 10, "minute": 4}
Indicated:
{"hour": 1, "minute": 48}
